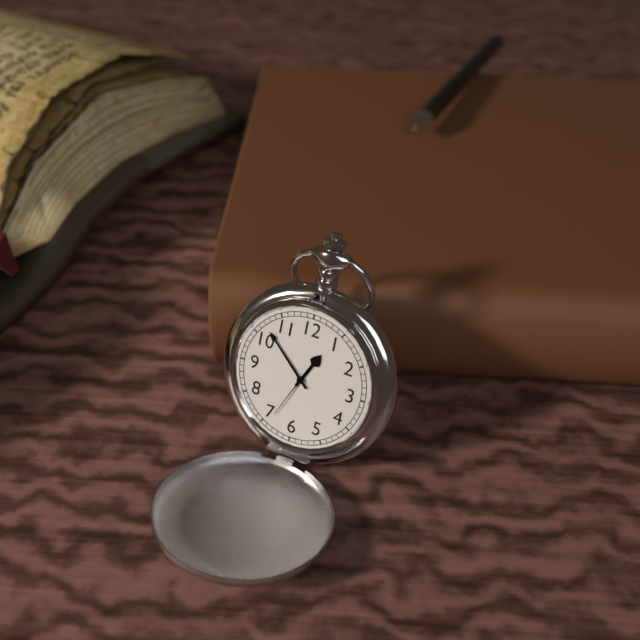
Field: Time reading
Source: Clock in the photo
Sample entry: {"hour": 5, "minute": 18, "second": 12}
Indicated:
{"hour": 12, "minute": 52, "second": 34}
